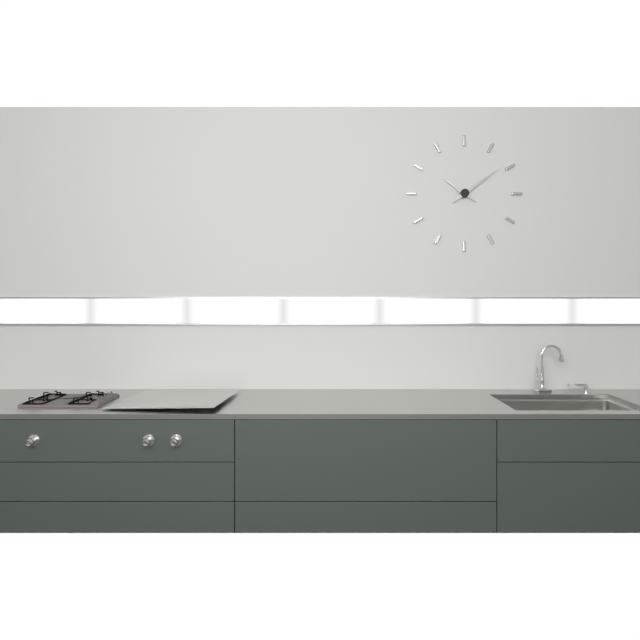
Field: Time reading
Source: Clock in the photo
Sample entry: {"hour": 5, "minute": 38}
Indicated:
{"hour": 10, "minute": 9}
